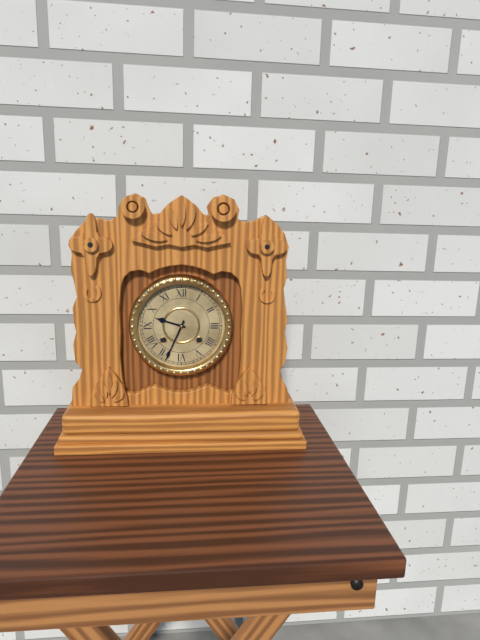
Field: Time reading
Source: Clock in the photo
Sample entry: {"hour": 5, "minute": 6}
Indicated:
{"hour": 9, "minute": 34}
